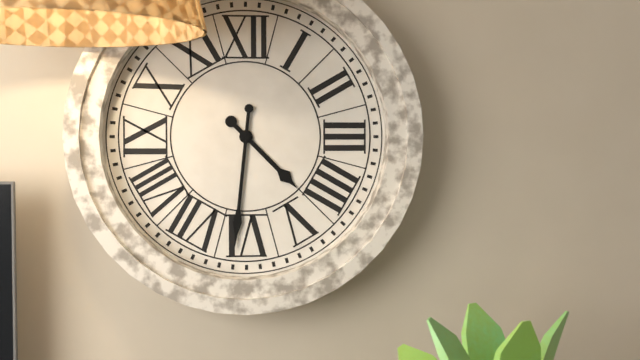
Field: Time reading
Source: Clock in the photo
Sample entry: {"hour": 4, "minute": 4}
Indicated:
{"hour": 4, "minute": 31}
